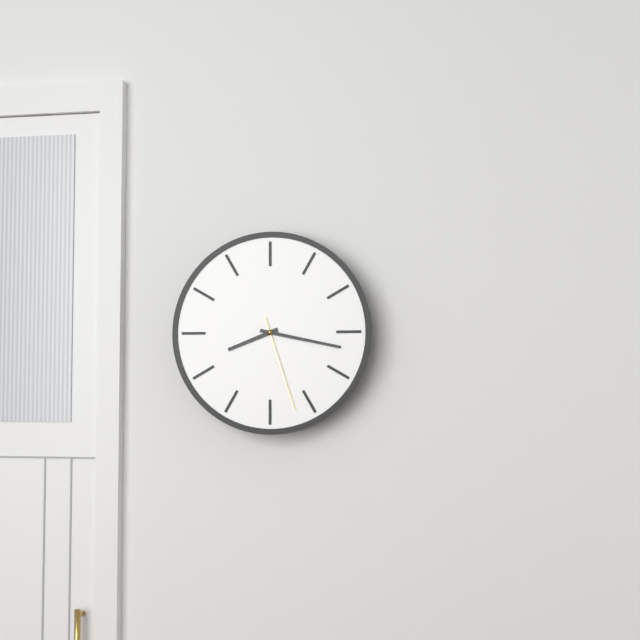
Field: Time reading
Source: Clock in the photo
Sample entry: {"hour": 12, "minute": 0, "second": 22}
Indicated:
{"hour": 8, "minute": 17, "second": 27}
